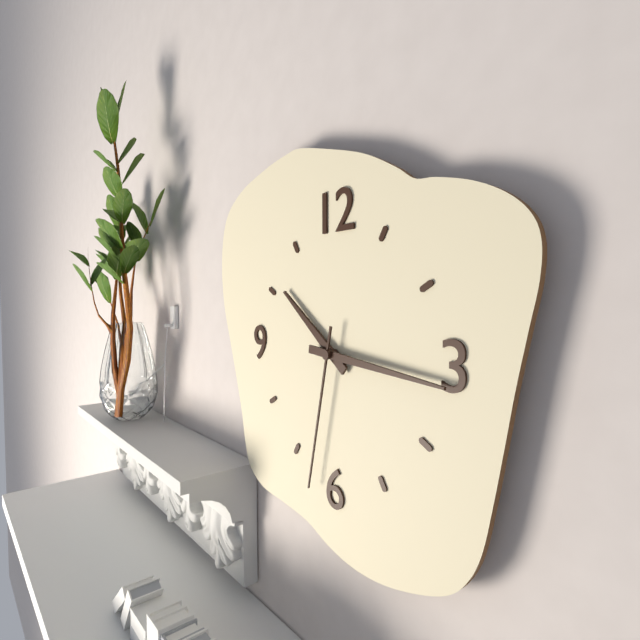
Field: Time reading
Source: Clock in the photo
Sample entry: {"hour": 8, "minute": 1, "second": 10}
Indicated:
{"hour": 10, "minute": 16, "second": 32}
